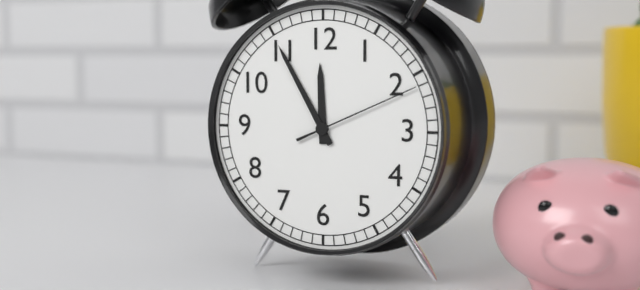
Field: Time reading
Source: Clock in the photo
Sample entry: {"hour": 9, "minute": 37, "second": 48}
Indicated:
{"hour": 11, "minute": 55, "second": 11}
